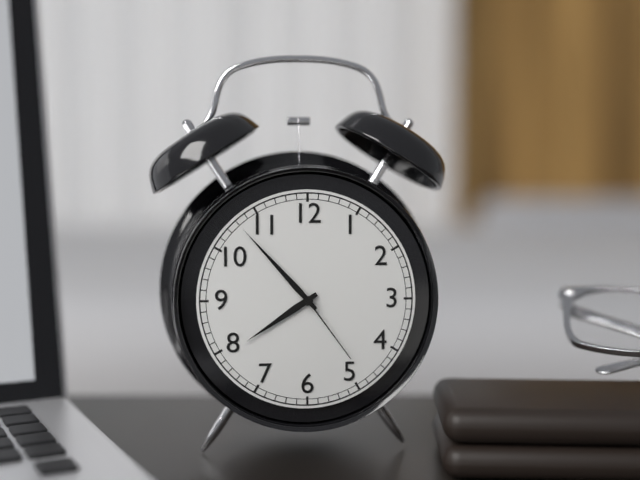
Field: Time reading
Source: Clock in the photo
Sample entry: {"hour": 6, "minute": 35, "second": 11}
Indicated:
{"hour": 7, "minute": 53, "second": 24}
